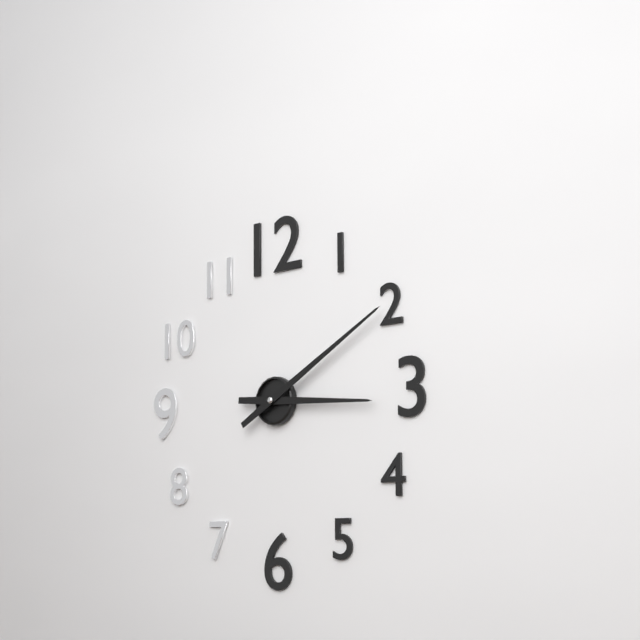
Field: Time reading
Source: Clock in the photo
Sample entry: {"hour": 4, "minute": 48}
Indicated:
{"hour": 3, "minute": 10}
